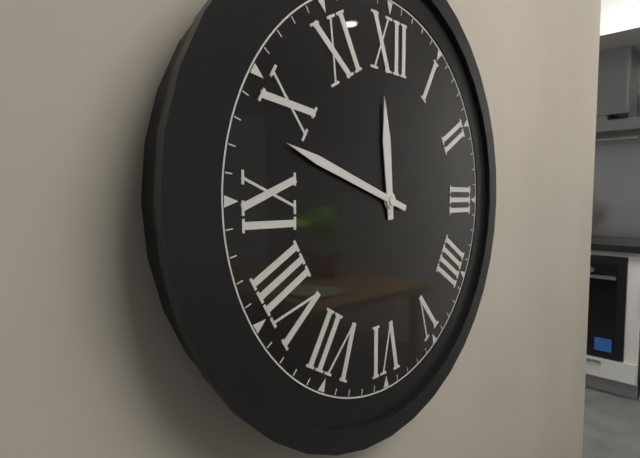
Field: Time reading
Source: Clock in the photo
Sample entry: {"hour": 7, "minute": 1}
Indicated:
{"hour": 11, "minute": 48}
